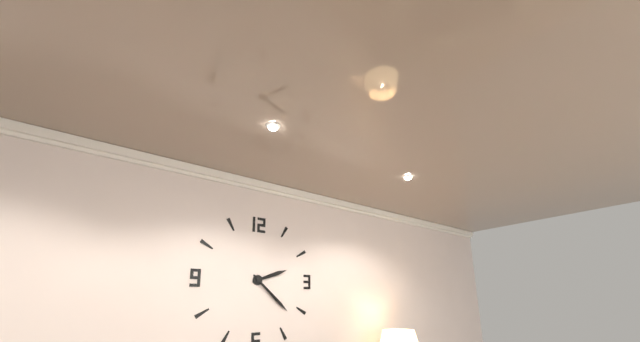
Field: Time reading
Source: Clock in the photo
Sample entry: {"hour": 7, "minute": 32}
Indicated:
{"hour": 2, "minute": 22}
